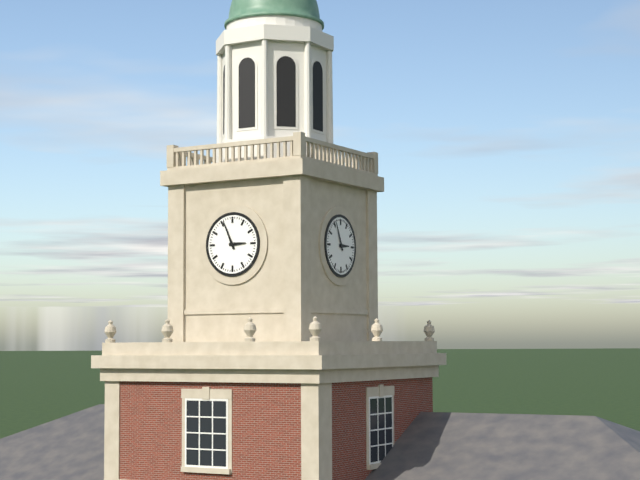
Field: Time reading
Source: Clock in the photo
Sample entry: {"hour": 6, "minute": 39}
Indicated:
{"hour": 2, "minute": 56}
